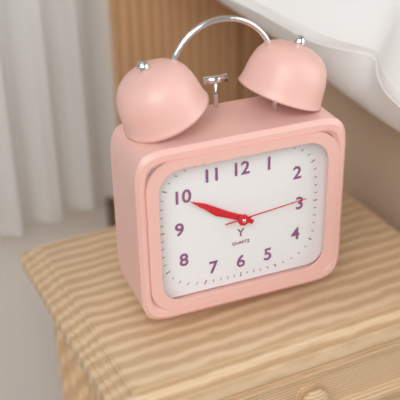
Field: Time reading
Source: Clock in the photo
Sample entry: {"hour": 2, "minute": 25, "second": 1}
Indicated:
{"hour": 9, "minute": 50, "second": 14}
